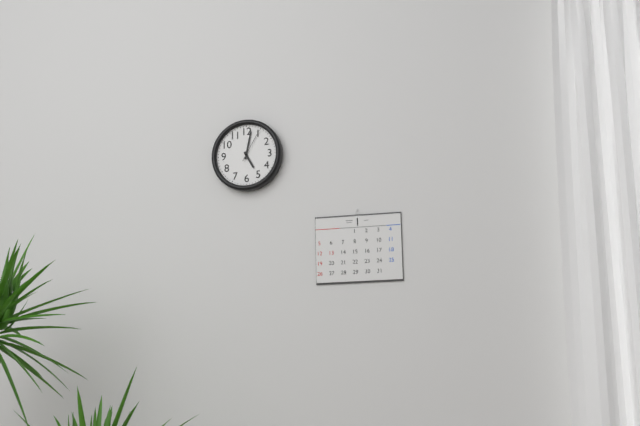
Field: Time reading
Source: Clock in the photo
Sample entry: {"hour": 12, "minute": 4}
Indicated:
{"hour": 5, "minute": 2}
